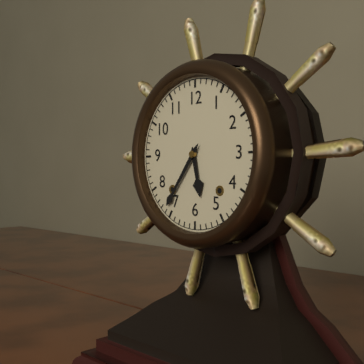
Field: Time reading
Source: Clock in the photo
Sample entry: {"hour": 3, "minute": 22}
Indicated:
{"hour": 5, "minute": 36}
